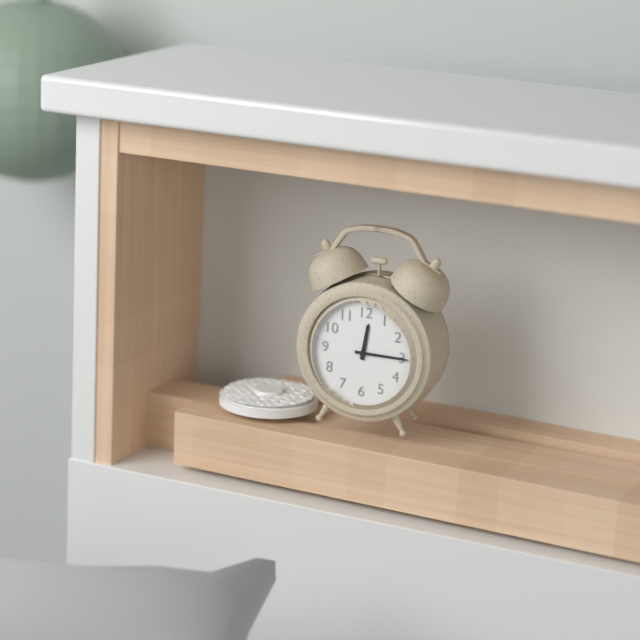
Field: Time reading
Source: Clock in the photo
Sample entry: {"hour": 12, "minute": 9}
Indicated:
{"hour": 12, "minute": 15}
